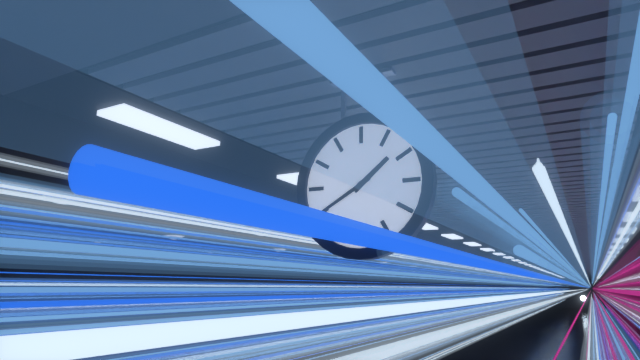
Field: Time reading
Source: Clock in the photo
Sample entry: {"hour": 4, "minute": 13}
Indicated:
{"hour": 1, "minute": 40}
